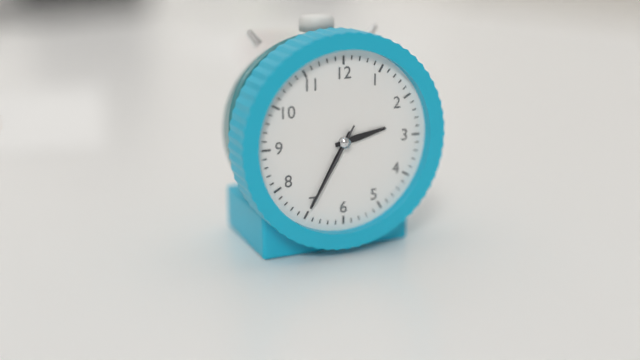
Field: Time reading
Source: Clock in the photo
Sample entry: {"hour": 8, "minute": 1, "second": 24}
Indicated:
{"hour": 2, "minute": 35, "second": 35}
